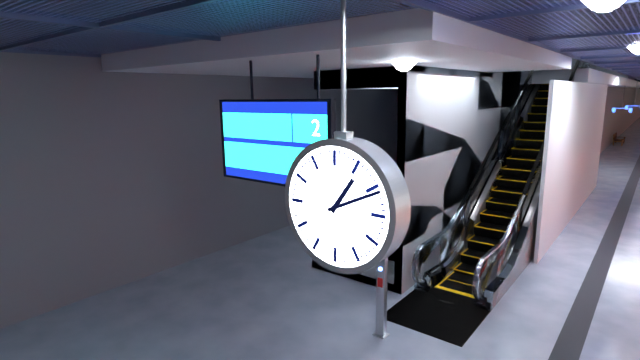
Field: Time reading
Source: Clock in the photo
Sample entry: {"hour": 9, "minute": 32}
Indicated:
{"hour": 1, "minute": 11}
